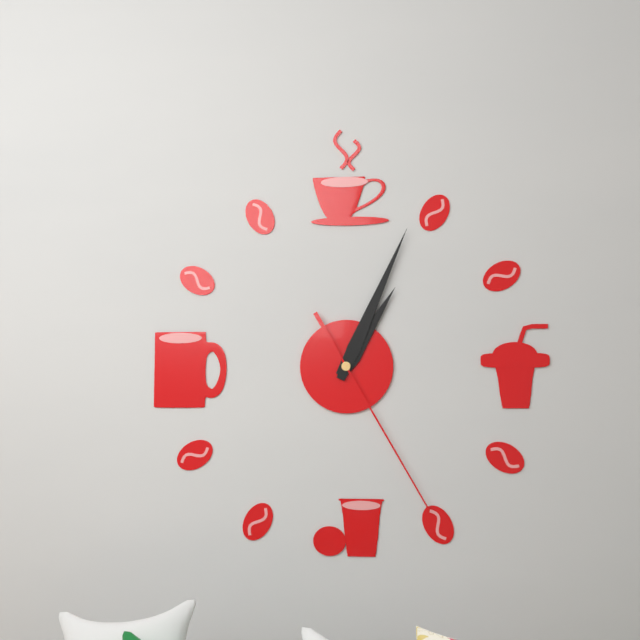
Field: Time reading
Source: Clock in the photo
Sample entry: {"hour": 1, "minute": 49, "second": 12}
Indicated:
{"hour": 1, "minute": 4, "second": 25}
